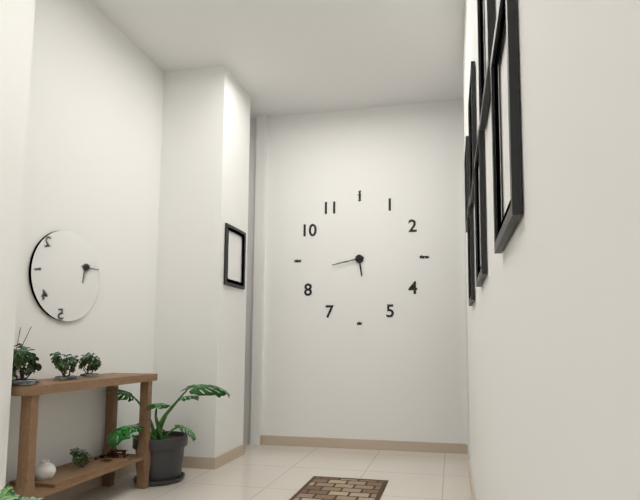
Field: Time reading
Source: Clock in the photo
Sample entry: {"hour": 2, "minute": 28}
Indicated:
{"hour": 5, "minute": 43}
